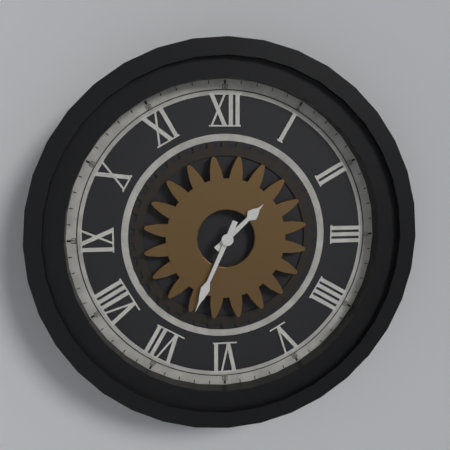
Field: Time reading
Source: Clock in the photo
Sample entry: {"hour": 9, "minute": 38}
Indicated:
{"hour": 1, "minute": 34}
